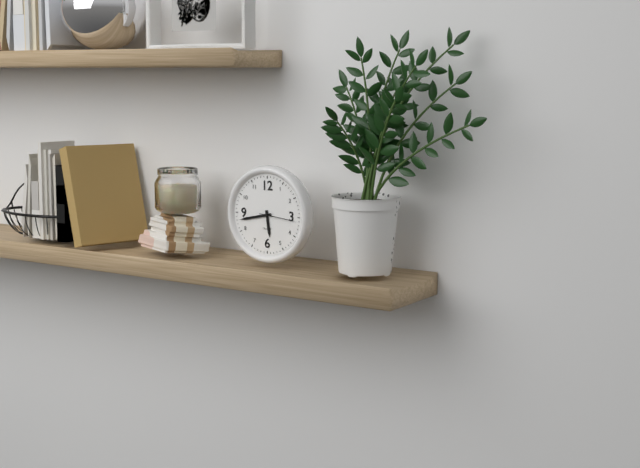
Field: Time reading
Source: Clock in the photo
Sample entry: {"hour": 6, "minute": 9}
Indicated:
{"hour": 5, "minute": 43}
